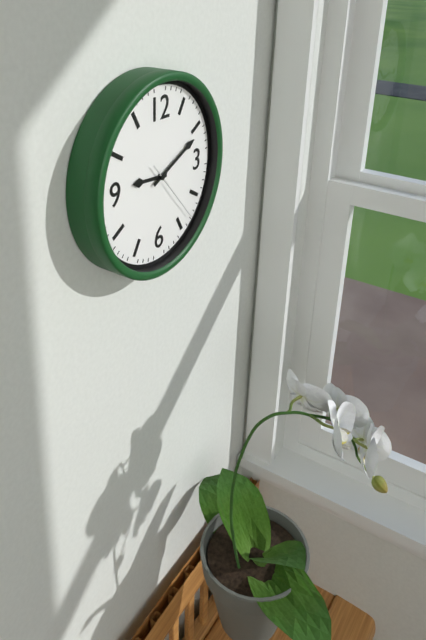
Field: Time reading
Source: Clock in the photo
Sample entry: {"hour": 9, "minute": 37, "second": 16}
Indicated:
{"hour": 9, "minute": 11, "second": 23}
